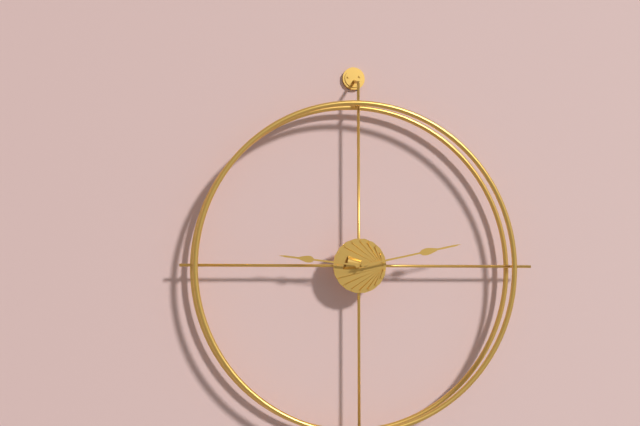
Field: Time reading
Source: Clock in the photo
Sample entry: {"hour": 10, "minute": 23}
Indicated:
{"hour": 9, "minute": 13}
